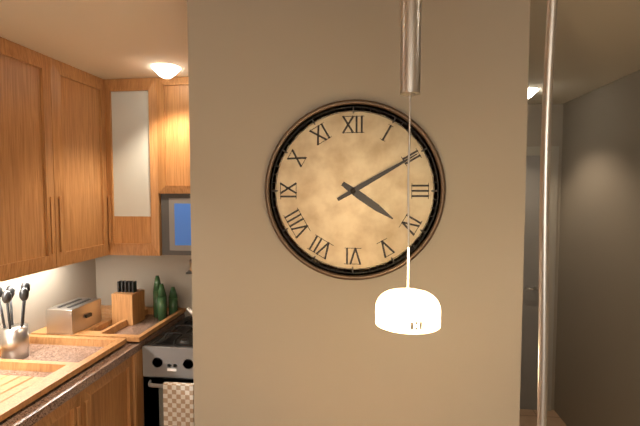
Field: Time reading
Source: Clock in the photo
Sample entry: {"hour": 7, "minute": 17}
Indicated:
{"hour": 4, "minute": 10}
